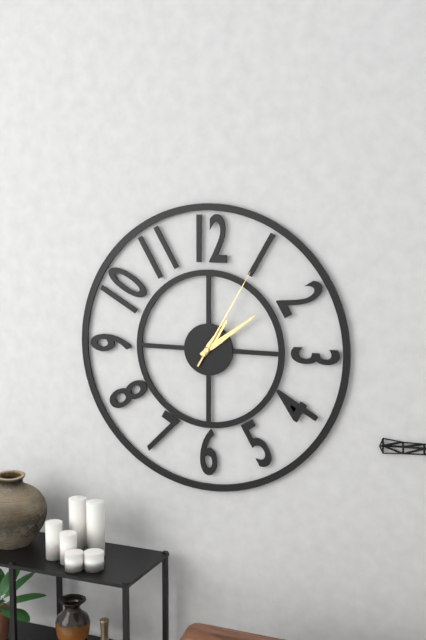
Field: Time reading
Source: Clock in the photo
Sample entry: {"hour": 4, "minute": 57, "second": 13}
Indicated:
{"hour": 1, "minute": 9, "second": 5}
